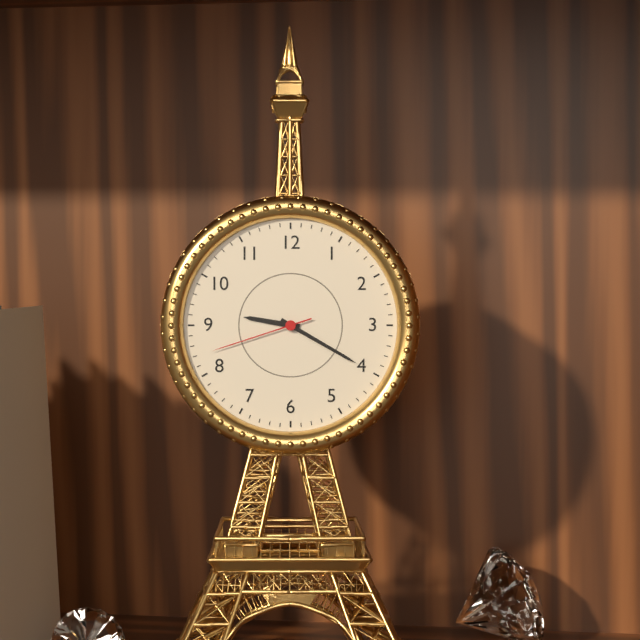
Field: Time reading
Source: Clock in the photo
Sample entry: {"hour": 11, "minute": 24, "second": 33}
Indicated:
{"hour": 9, "minute": 20, "second": 42}
